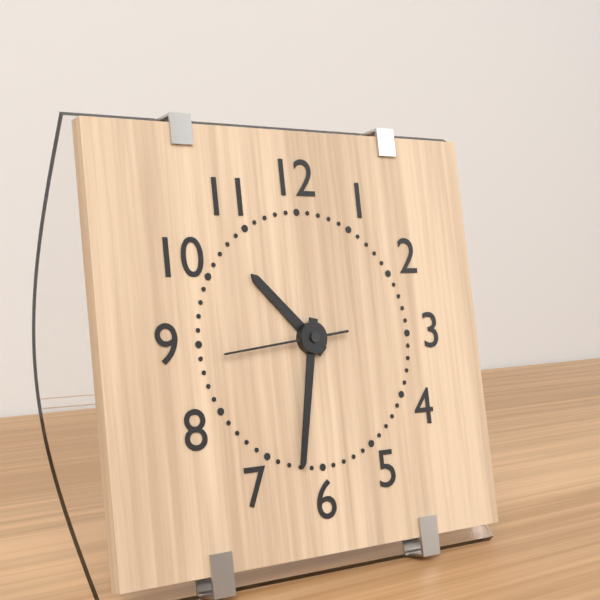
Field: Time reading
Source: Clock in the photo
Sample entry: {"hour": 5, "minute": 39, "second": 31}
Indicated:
{"hour": 10, "minute": 32, "second": 44}
